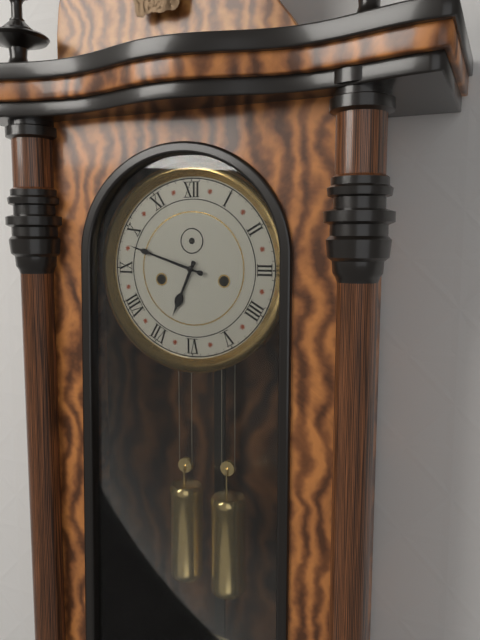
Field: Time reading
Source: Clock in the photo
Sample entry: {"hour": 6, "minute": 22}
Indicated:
{"hour": 6, "minute": 48}
